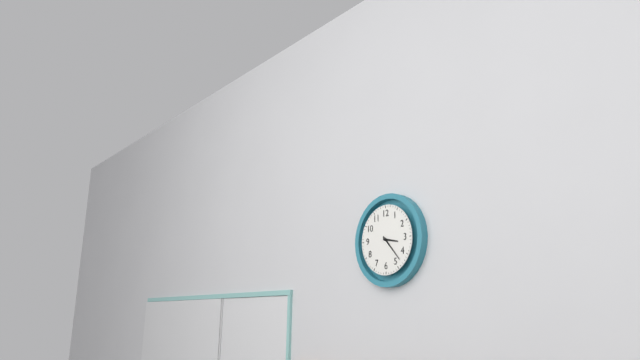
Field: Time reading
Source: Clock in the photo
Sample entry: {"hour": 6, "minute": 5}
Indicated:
{"hour": 3, "minute": 23}
